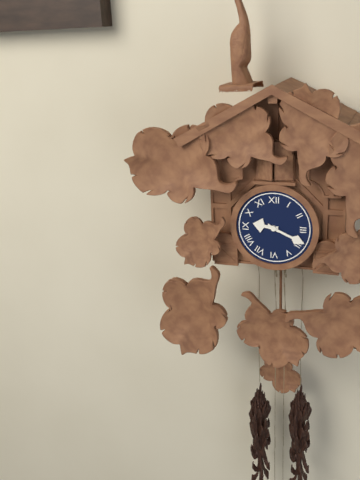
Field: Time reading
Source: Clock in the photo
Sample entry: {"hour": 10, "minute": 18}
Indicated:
{"hour": 9, "minute": 19}
